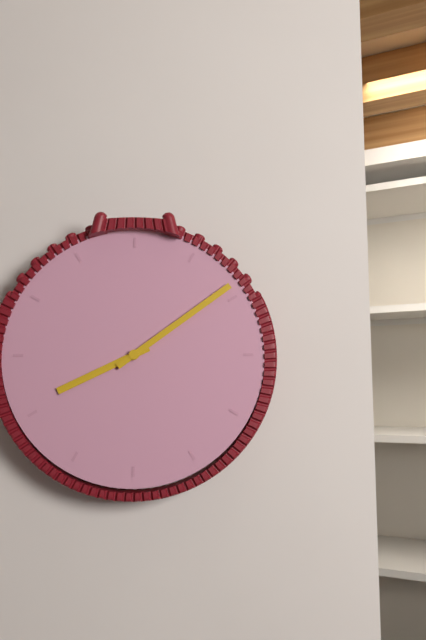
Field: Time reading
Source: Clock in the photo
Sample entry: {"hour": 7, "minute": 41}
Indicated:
{"hour": 8, "minute": 9}
